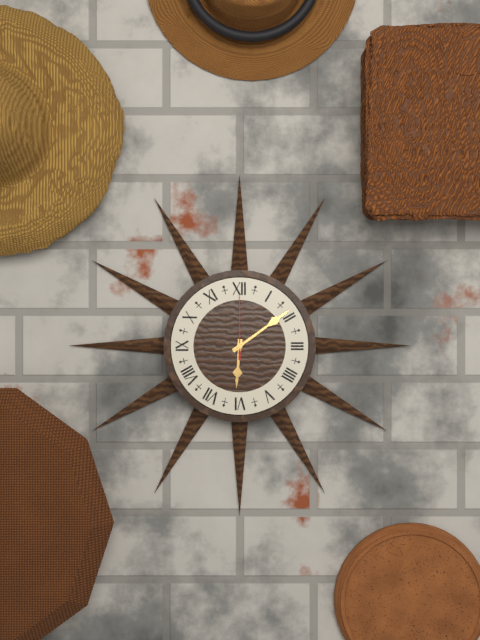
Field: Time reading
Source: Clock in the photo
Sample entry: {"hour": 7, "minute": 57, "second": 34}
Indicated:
{"hour": 6, "minute": 9, "second": 0}
